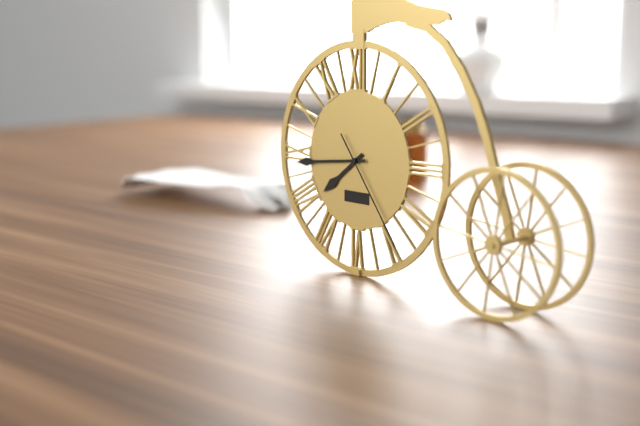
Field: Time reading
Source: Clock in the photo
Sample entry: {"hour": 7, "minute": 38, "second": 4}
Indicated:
{"hour": 7, "minute": 44, "second": 24}
